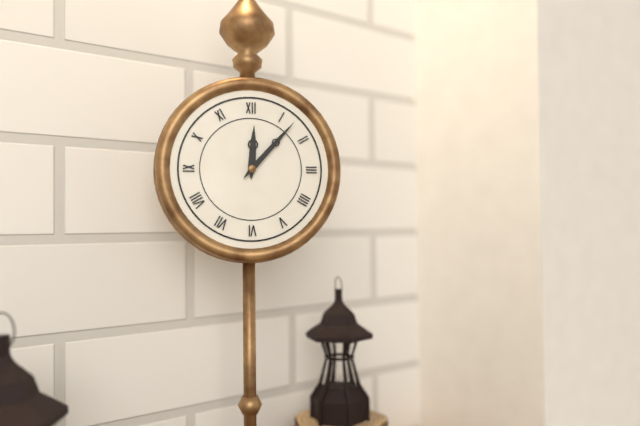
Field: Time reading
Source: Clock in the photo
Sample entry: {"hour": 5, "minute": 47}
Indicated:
{"hour": 12, "minute": 7}
